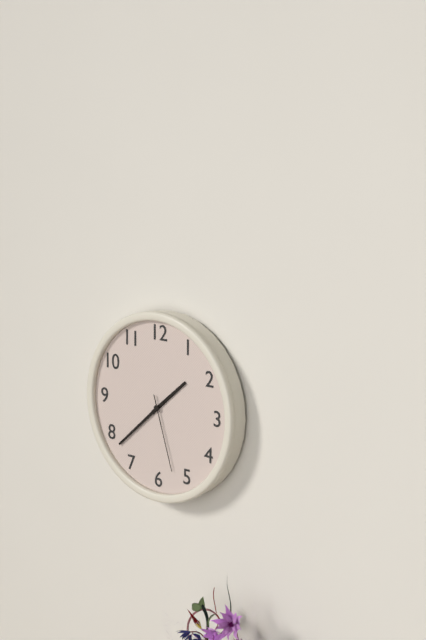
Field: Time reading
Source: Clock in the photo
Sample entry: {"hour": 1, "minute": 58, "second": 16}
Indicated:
{"hour": 1, "minute": 38, "second": 27}
